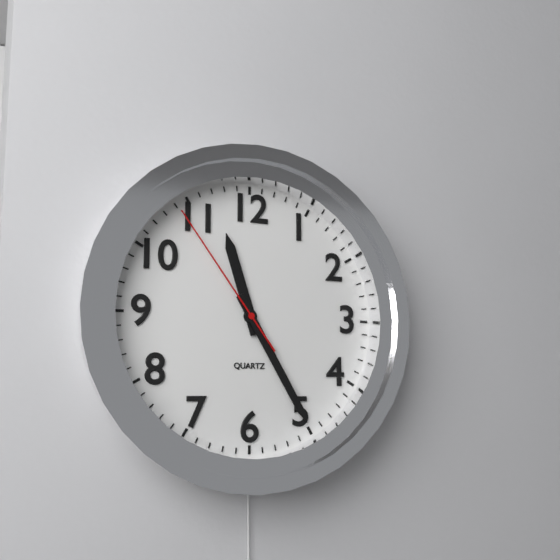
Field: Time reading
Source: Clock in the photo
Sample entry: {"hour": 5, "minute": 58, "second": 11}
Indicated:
{"hour": 11, "minute": 25, "second": 54}
